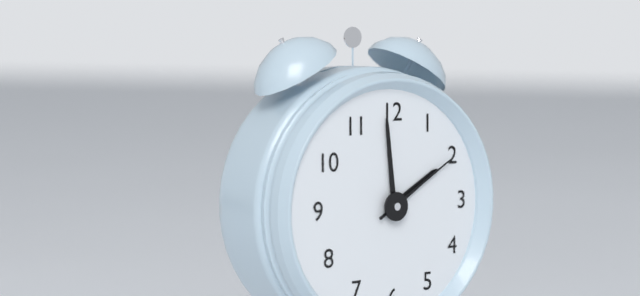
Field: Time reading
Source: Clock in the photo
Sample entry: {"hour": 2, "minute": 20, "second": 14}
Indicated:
{"hour": 1, "minute": 59, "second": 10}
